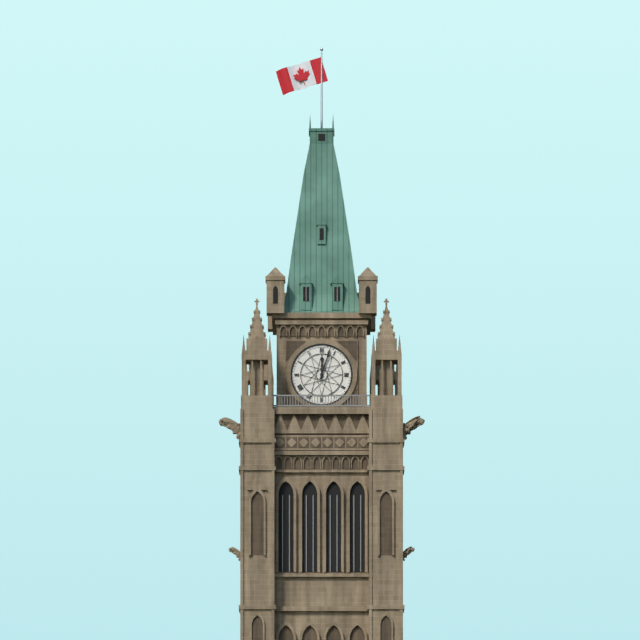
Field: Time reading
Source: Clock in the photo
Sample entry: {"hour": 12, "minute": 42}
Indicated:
{"hour": 12, "minute": 3}
